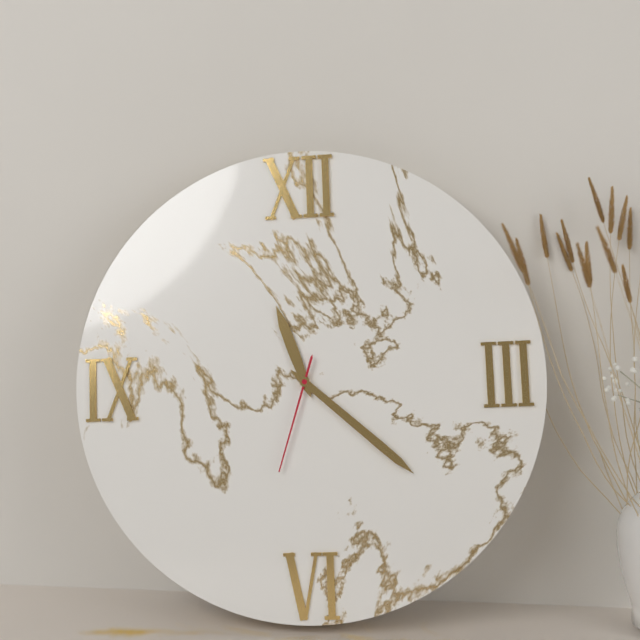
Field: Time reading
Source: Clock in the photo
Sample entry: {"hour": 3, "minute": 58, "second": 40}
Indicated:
{"hour": 11, "minute": 22, "second": 33}
